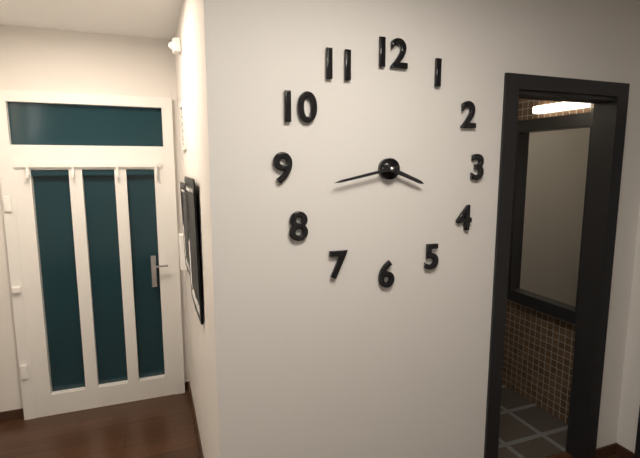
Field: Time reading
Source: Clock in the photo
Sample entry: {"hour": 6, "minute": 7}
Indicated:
{"hour": 3, "minute": 43}
